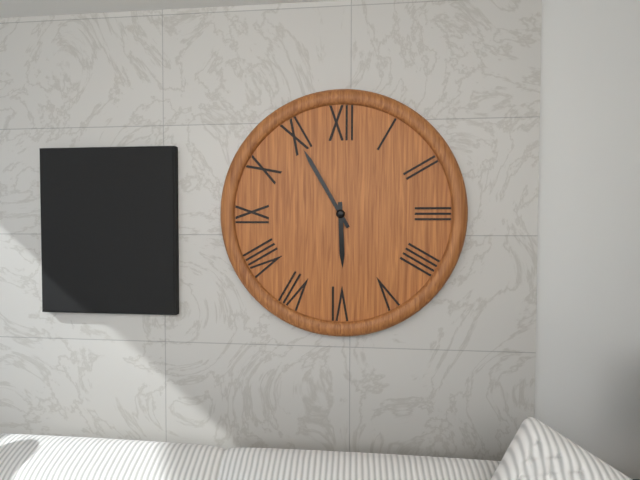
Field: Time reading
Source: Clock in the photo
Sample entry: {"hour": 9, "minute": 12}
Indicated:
{"hour": 5, "minute": 55}
